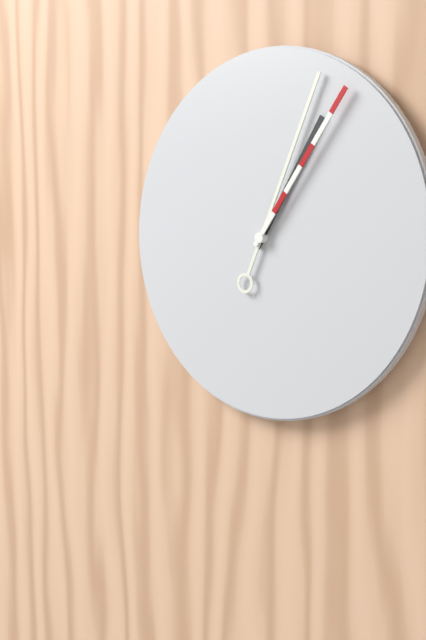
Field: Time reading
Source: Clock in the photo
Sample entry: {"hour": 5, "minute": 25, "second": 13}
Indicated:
{"hour": 1, "minute": 4, "second": 6}
